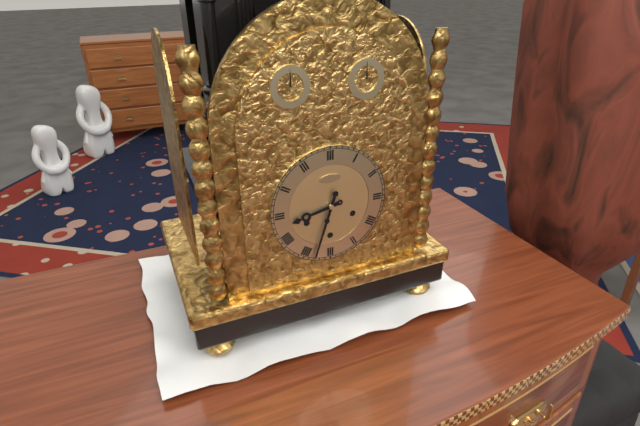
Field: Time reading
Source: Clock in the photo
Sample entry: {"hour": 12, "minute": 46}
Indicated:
{"hour": 8, "minute": 33}
